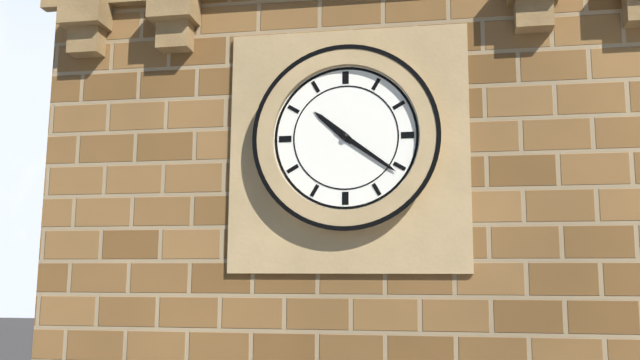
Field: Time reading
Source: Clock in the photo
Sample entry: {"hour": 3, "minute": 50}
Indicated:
{"hour": 10, "minute": 21}
